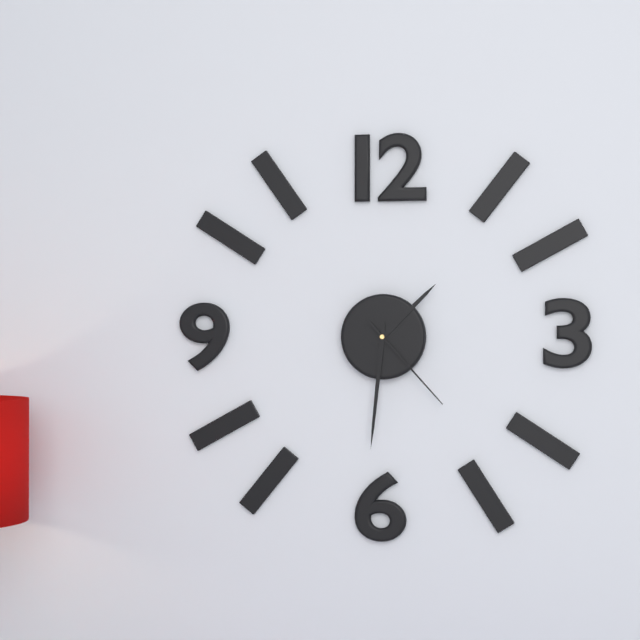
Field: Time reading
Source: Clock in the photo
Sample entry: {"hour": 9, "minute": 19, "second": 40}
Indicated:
{"hour": 1, "minute": 31, "second": 23}
